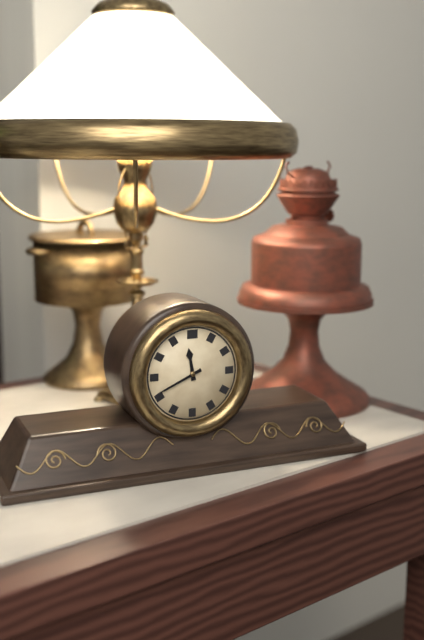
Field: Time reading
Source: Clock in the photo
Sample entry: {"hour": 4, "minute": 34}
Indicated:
{"hour": 11, "minute": 41}
